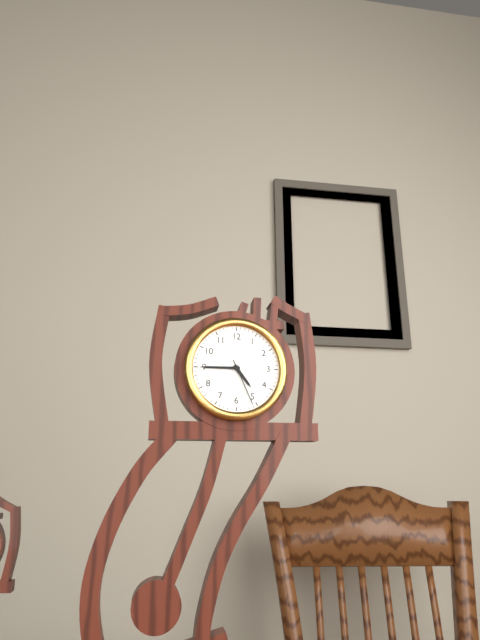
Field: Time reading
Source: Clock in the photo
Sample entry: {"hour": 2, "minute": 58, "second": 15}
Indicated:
{"hour": 4, "minute": 45, "second": 26}
